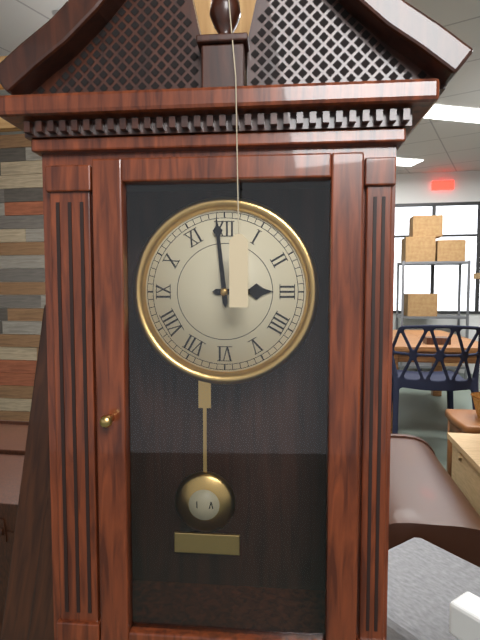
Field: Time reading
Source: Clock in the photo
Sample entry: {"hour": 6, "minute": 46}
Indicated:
{"hour": 2, "minute": 59}
